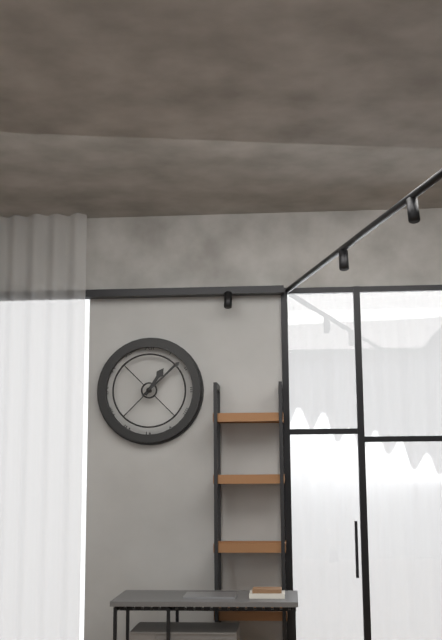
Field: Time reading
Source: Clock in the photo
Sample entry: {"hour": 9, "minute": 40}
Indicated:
{"hour": 1, "minute": 8}
